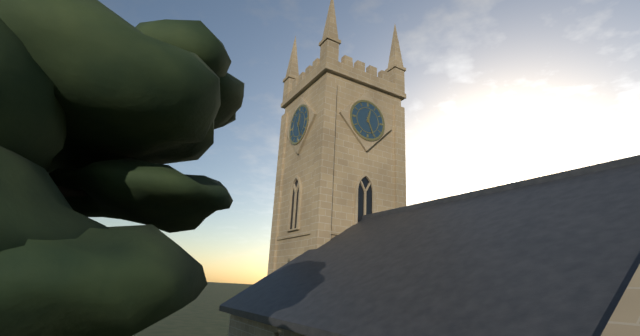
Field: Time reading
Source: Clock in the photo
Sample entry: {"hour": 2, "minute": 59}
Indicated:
{"hour": 12, "minute": 26}
